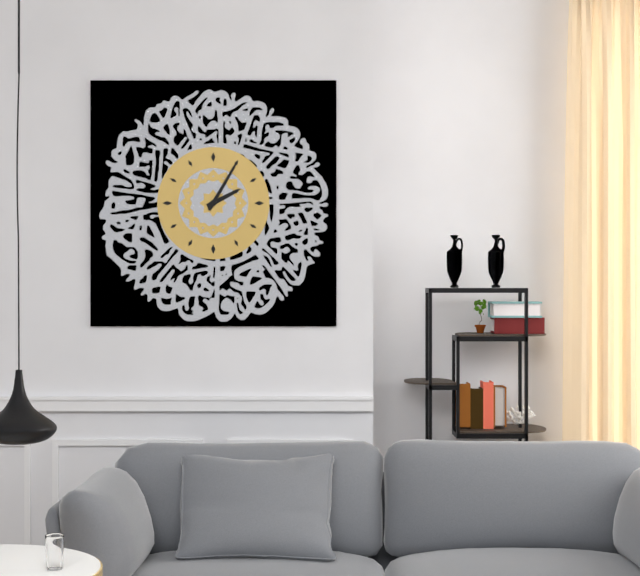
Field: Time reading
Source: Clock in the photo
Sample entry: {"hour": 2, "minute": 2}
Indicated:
{"hour": 2, "minute": 5}
